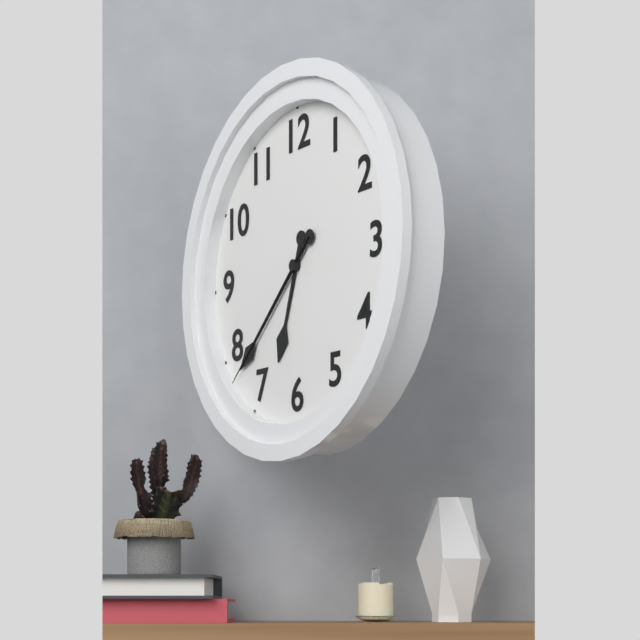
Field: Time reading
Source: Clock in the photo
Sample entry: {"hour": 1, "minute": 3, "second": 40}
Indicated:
{"hour": 6, "minute": 38, "second": 38}
